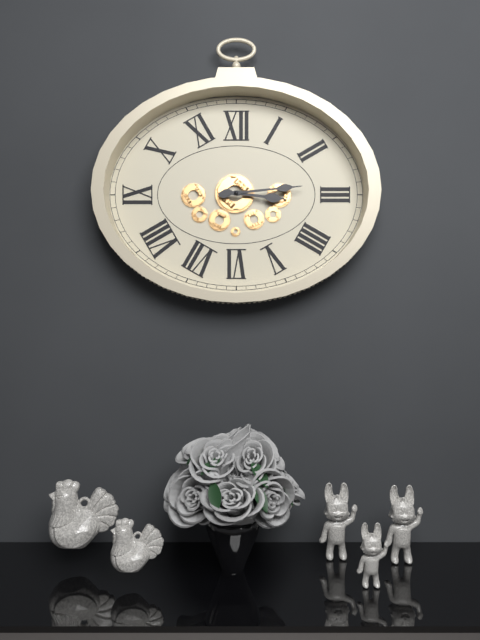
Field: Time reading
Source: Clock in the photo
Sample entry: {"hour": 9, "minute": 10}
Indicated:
{"hour": 3, "minute": 14}
